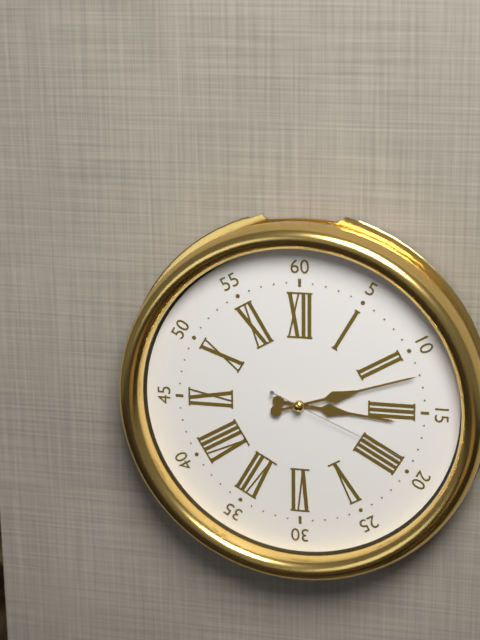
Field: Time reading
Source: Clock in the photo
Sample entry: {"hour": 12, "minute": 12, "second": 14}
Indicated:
{"hour": 3, "minute": 12, "second": 19}
